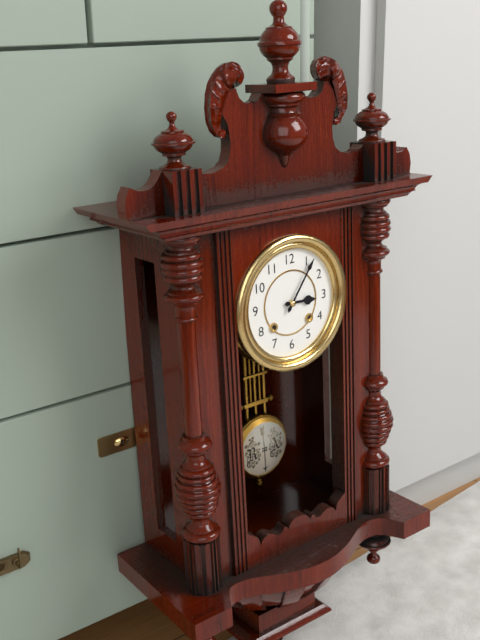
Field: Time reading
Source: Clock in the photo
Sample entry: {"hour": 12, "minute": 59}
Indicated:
{"hour": 3, "minute": 6}
